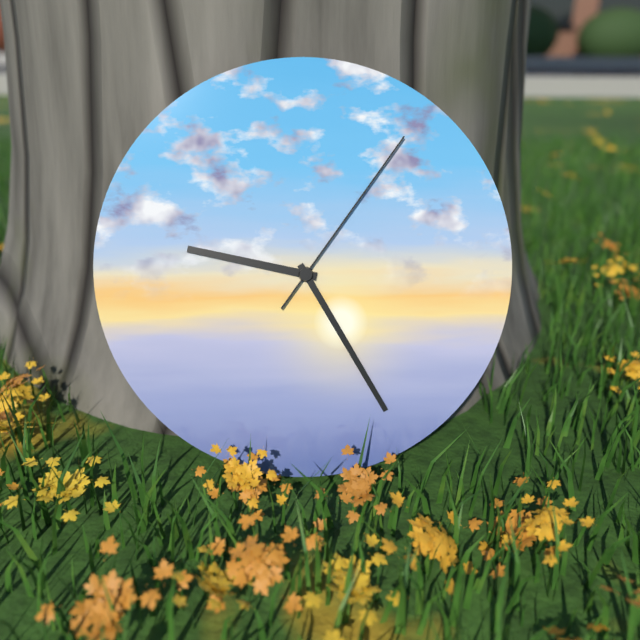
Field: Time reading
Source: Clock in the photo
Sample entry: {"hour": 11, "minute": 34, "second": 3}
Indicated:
{"hour": 9, "minute": 25, "second": 6}
